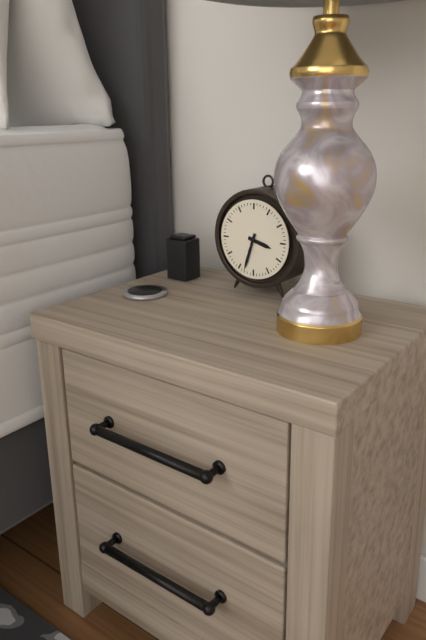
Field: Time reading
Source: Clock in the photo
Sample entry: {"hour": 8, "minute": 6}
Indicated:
{"hour": 3, "minute": 33}
